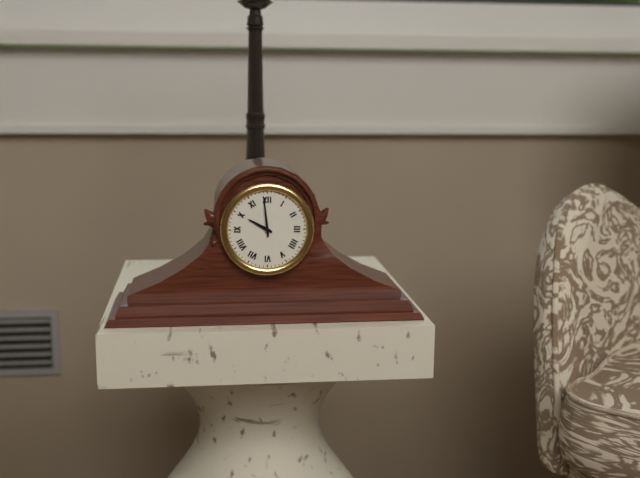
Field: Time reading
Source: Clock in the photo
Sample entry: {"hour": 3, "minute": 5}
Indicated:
{"hour": 9, "minute": 59}
